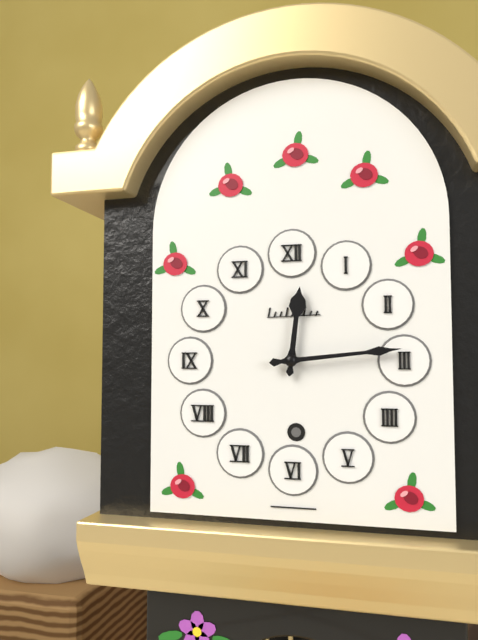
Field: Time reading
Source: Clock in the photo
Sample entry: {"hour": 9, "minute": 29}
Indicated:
{"hour": 12, "minute": 14}
